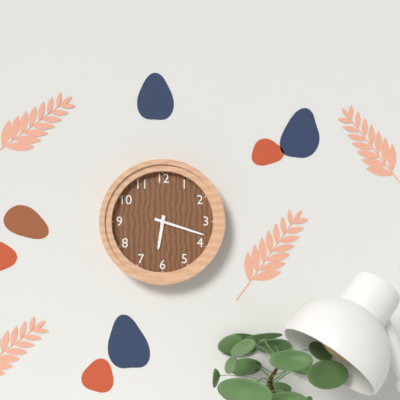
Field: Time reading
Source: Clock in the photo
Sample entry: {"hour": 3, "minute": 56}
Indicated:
{"hour": 6, "minute": 18}
